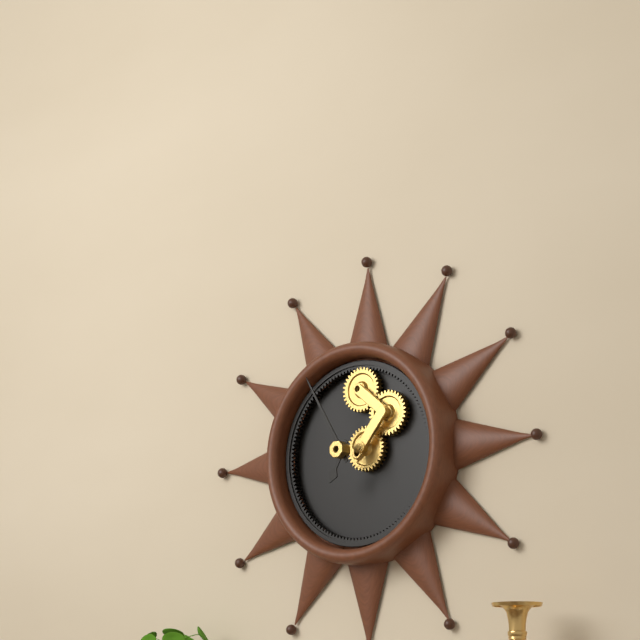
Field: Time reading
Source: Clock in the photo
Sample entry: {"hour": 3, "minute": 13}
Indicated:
{"hour": 6, "minute": 55}
